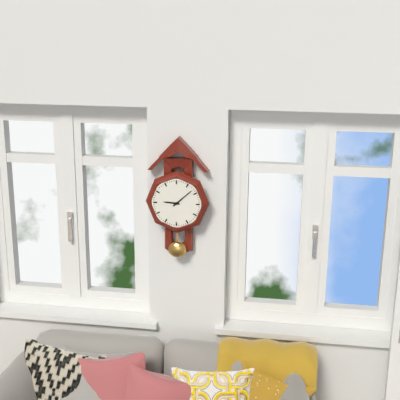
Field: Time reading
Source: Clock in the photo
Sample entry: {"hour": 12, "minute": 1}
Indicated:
{"hour": 9, "minute": 8}
